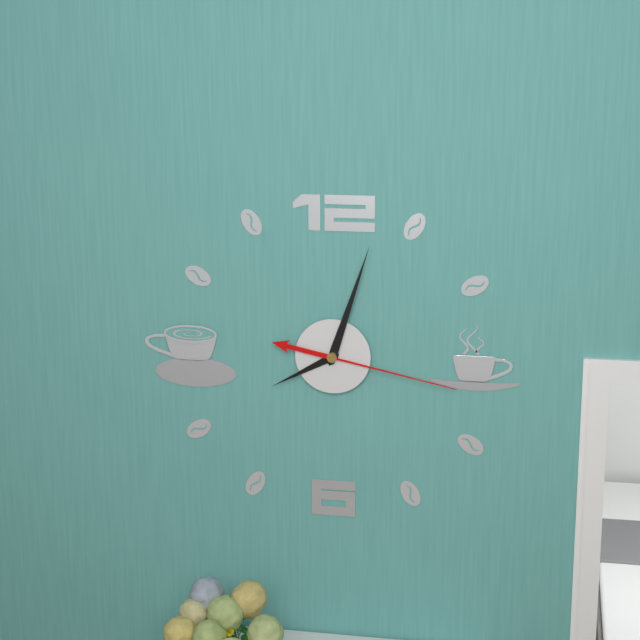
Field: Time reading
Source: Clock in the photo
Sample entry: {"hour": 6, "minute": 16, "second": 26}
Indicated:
{"hour": 8, "minute": 3, "second": 17}
